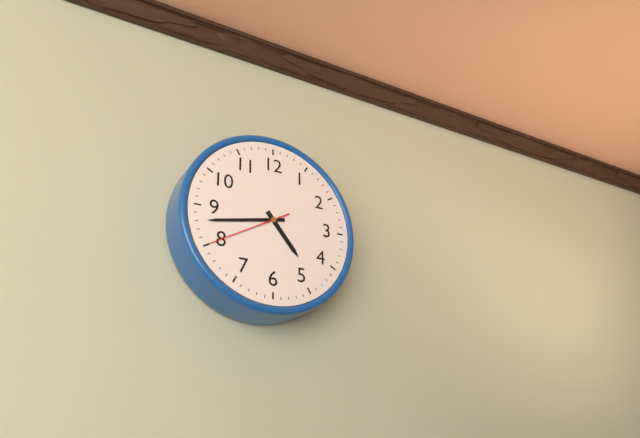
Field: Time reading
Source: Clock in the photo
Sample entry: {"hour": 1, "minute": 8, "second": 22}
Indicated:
{"hour": 4, "minute": 43, "second": 40}
